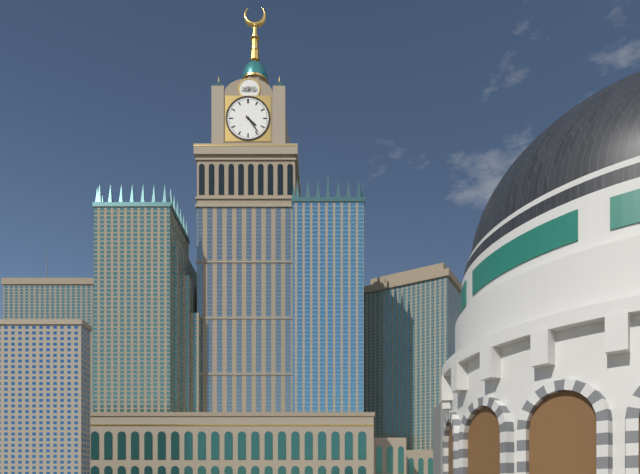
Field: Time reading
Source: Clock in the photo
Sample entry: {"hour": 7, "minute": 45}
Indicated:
{"hour": 4, "minute": 24}
